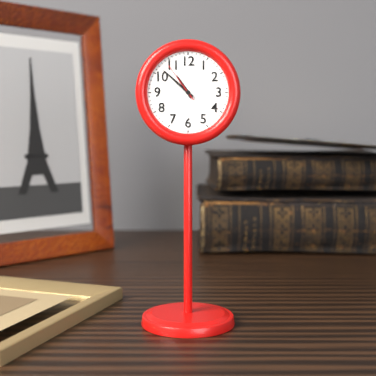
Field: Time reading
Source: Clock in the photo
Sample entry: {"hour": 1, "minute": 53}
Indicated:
{"hour": 10, "minute": 52}
